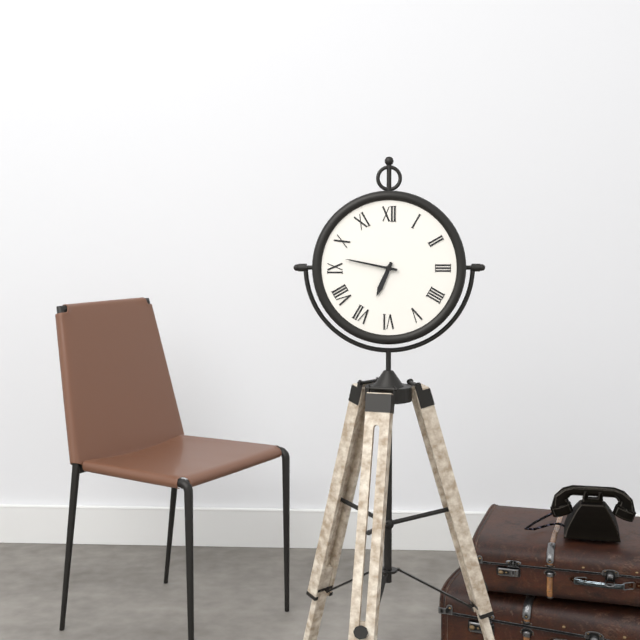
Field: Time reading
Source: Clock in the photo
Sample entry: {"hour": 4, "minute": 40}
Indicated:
{"hour": 6, "minute": 47}
